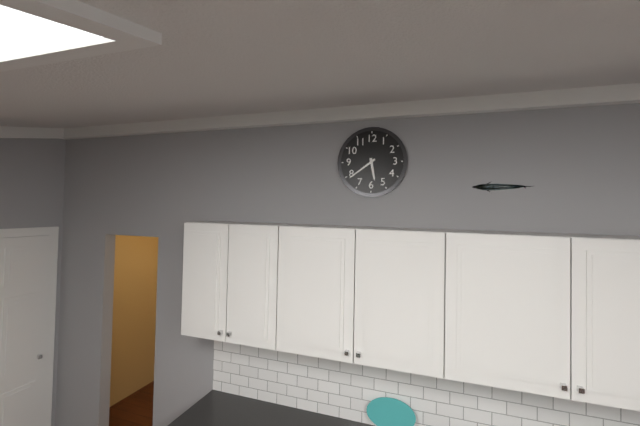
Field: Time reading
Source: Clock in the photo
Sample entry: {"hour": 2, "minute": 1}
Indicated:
{"hour": 5, "minute": 39}
